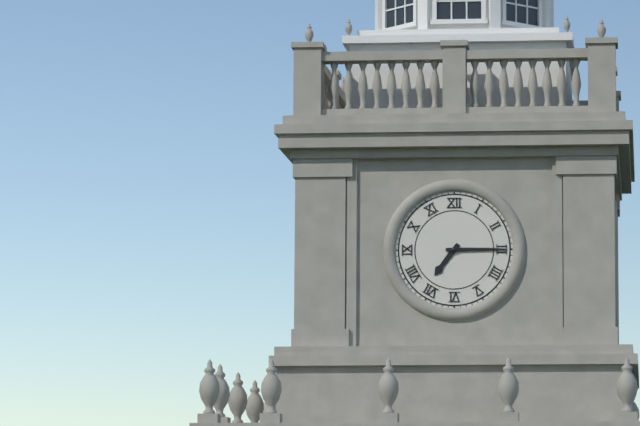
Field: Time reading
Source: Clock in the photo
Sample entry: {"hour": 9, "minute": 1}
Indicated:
{"hour": 7, "minute": 15}
